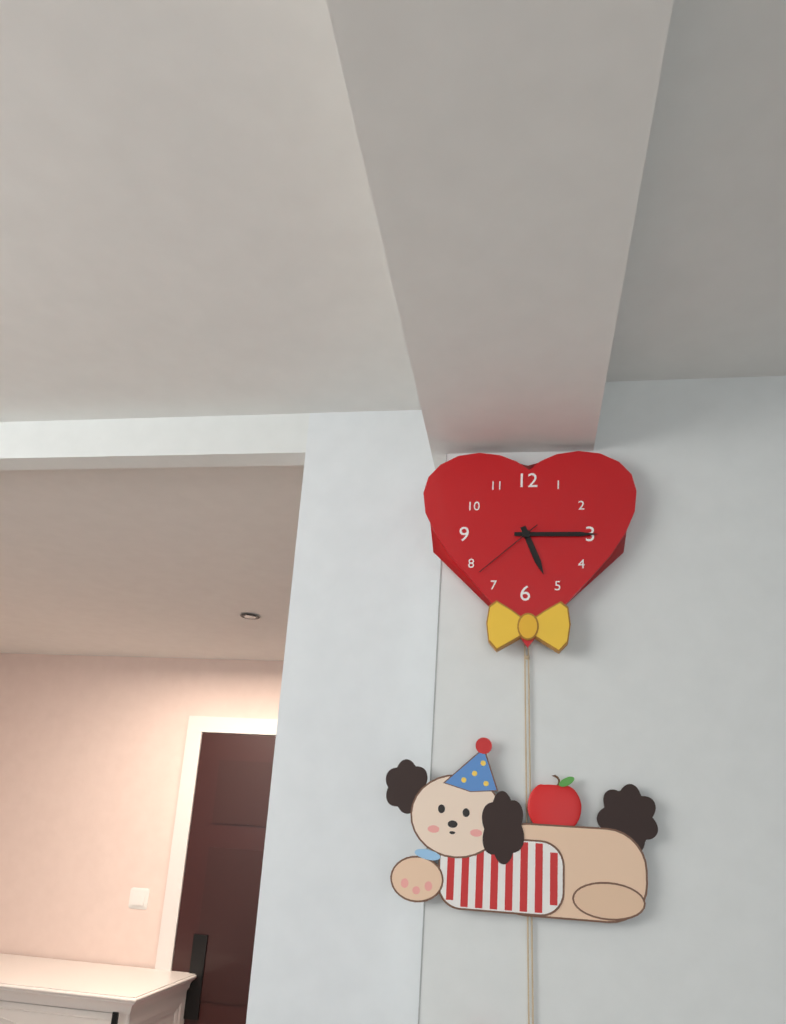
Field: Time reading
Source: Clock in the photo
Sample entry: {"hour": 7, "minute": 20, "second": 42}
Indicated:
{"hour": 5, "minute": 15, "second": 38}
